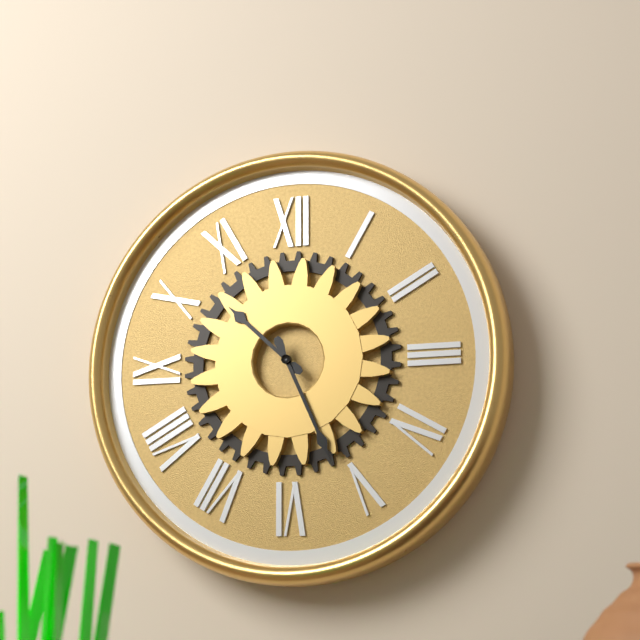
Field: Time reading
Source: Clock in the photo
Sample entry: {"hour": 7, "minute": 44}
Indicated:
{"hour": 10, "minute": 26}
